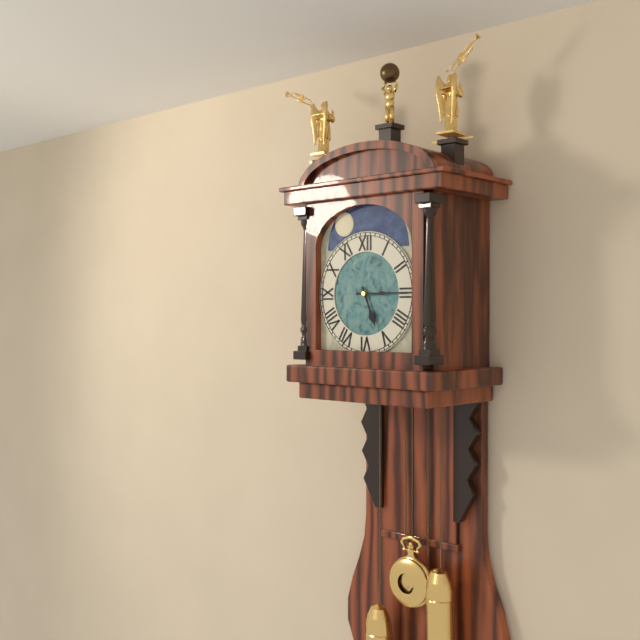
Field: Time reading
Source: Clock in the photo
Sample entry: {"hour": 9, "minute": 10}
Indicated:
{"hour": 5, "minute": 15}
